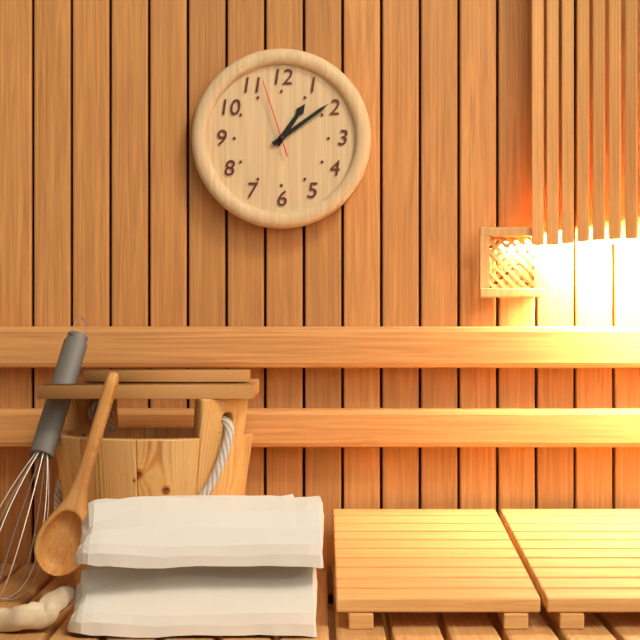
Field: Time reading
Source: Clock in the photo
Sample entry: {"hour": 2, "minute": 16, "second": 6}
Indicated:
{"hour": 1, "minute": 9, "second": 57}
